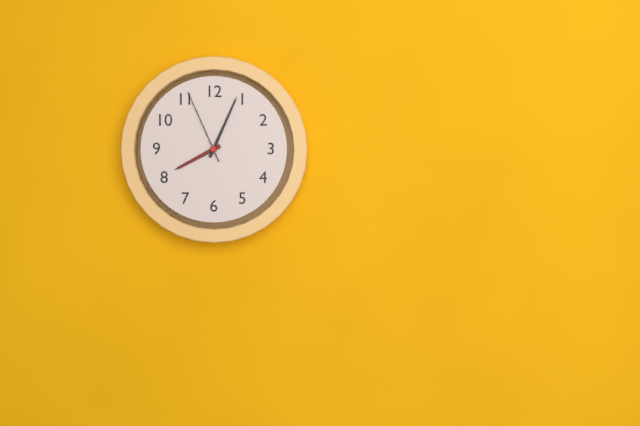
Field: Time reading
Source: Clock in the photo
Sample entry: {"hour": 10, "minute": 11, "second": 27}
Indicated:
{"hour": 8, "minute": 4, "second": 56}
